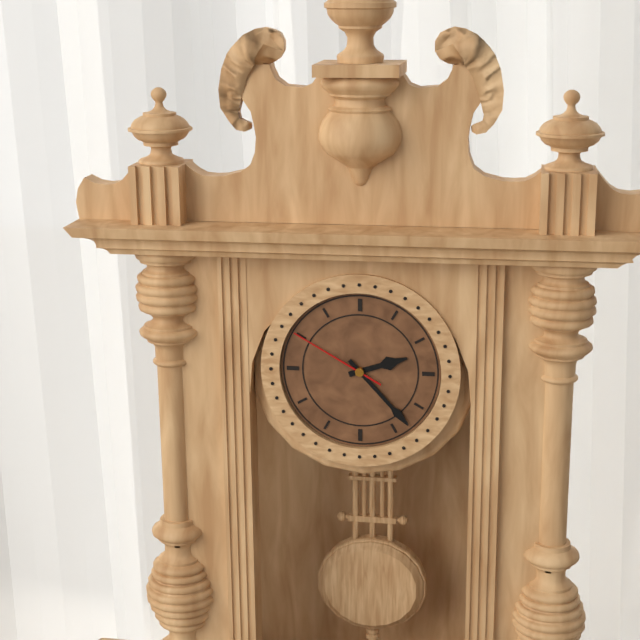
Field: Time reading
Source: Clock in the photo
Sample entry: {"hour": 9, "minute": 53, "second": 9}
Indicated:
{"hour": 2, "minute": 23, "second": 50}
